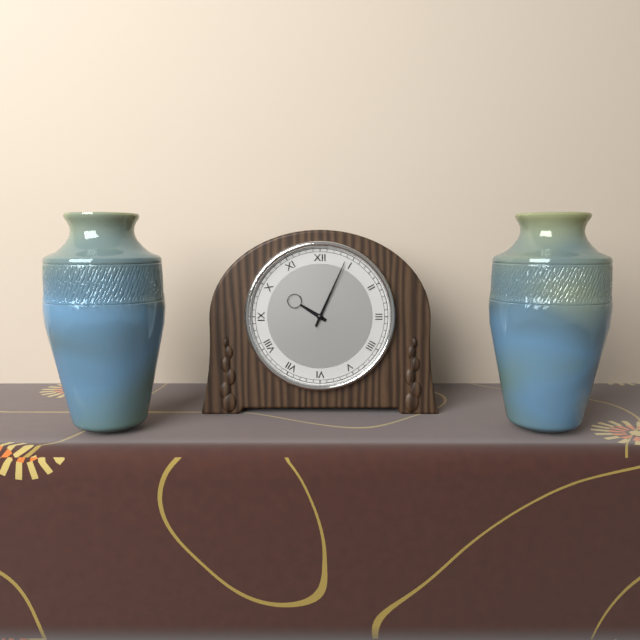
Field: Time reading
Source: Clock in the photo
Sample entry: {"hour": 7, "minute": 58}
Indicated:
{"hour": 10, "minute": 4}
